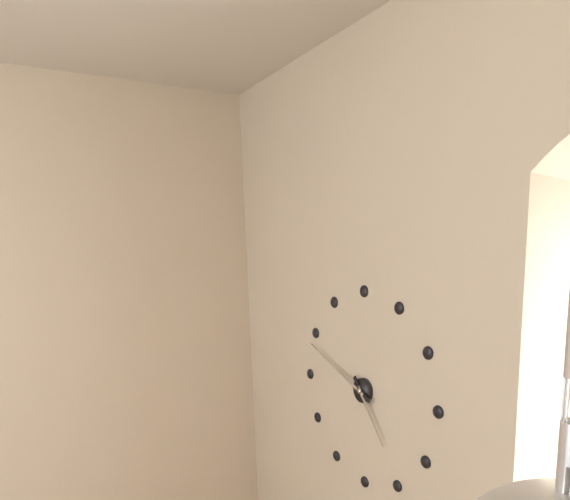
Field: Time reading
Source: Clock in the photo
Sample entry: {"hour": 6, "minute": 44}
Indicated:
{"hour": 4, "minute": 49}
